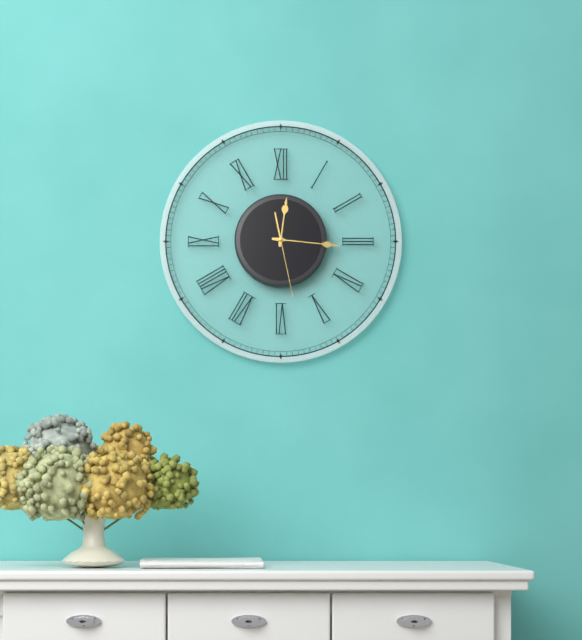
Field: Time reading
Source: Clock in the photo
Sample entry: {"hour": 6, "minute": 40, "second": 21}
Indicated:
{"hour": 12, "minute": 16, "second": 28}
